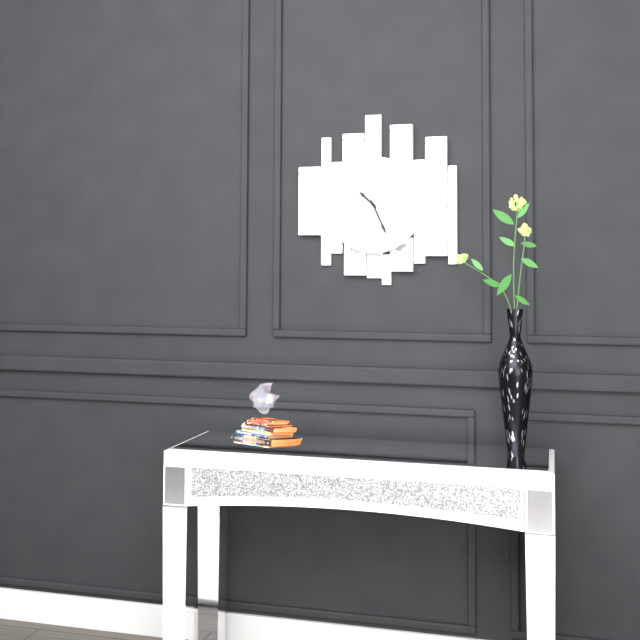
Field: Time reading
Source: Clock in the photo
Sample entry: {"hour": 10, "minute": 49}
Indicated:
{"hour": 10, "minute": 26}
